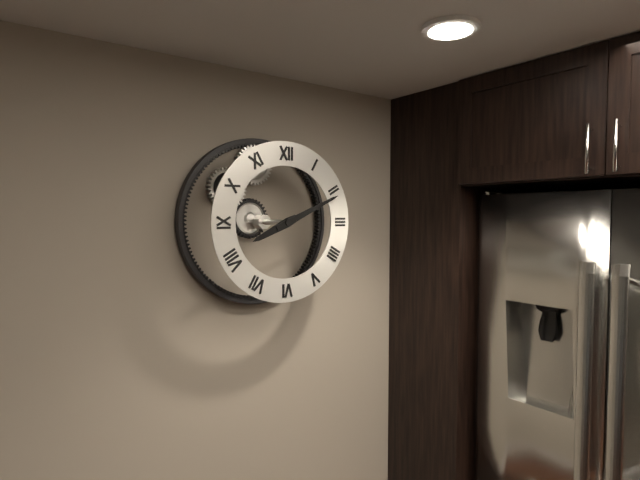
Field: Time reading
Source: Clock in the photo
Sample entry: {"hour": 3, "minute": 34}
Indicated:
{"hour": 8, "minute": 11}
